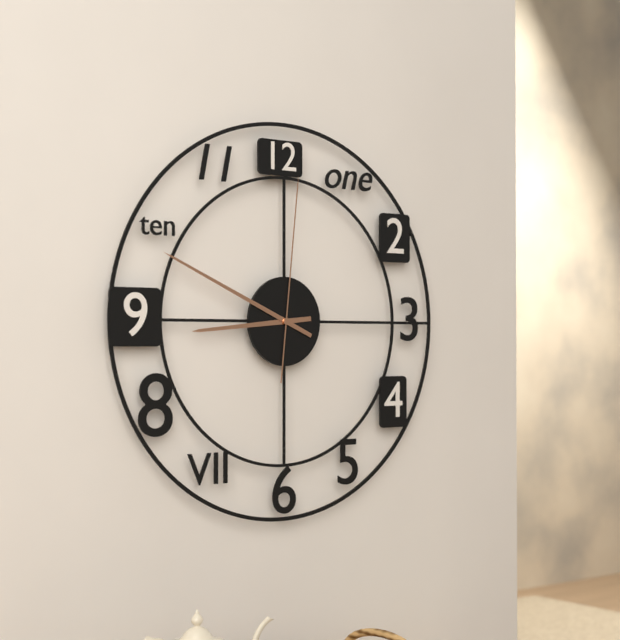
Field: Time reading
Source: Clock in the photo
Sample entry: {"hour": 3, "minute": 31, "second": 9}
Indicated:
{"hour": 8, "minute": 49, "second": 1}
